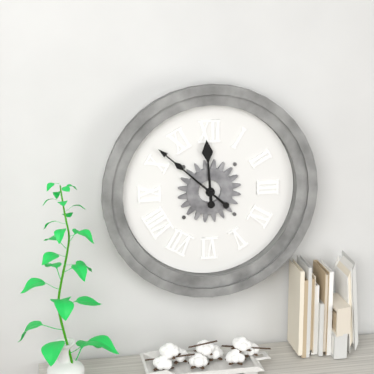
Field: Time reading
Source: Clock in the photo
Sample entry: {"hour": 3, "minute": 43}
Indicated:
{"hour": 11, "minute": 52}
